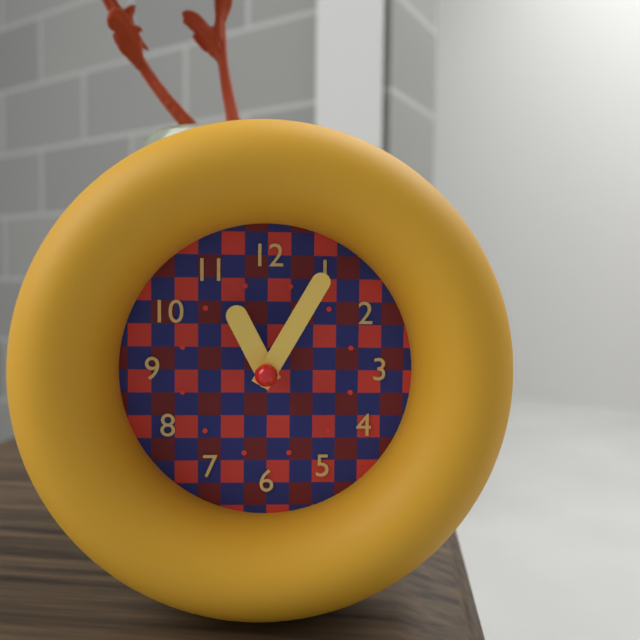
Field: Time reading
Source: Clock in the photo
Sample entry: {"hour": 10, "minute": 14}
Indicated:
{"hour": 11, "minute": 5}
